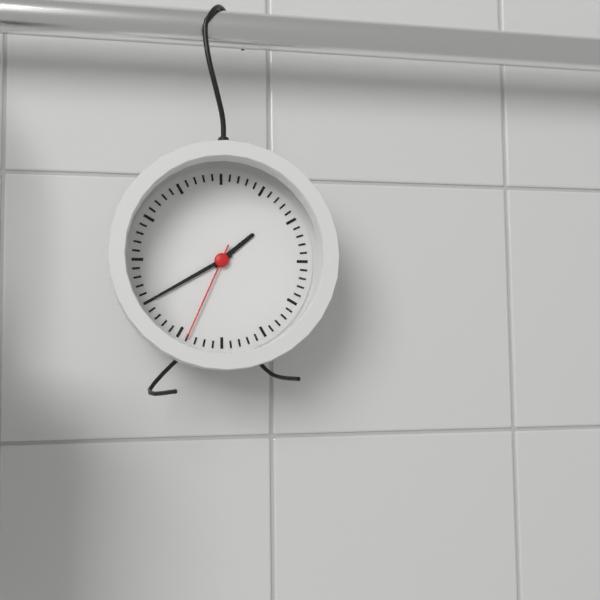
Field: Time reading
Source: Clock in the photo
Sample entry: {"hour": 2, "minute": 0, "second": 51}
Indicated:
{"hour": 1, "minute": 40, "second": 34}
